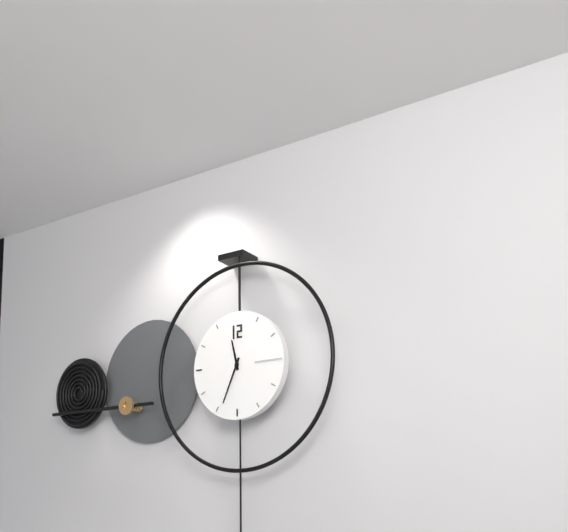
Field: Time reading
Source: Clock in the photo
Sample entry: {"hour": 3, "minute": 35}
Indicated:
{"hour": 11, "minute": 34}
